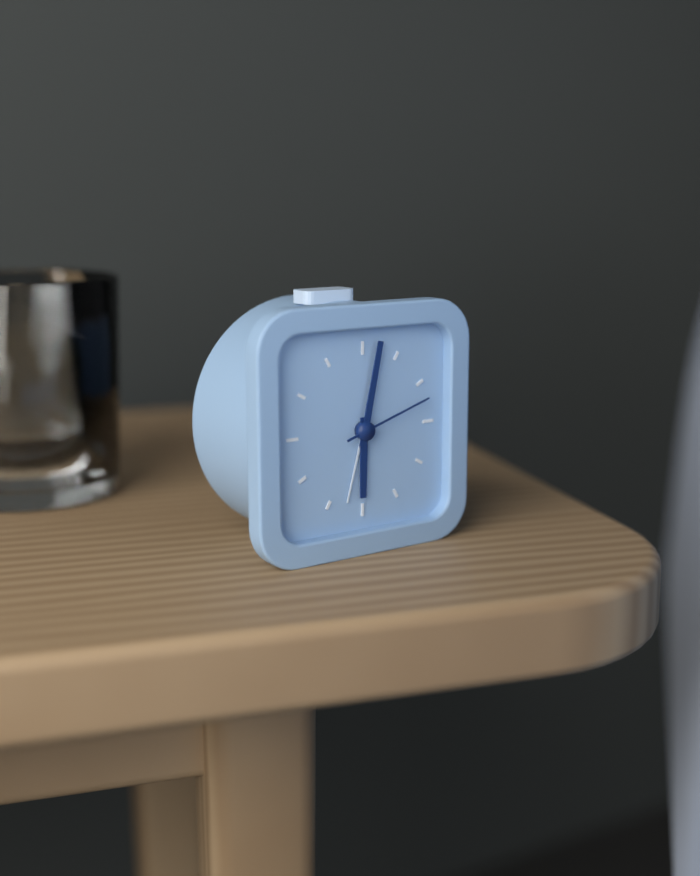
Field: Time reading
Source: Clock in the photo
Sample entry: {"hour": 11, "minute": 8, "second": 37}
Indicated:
{"hour": 6, "minute": 2, "second": 12}
